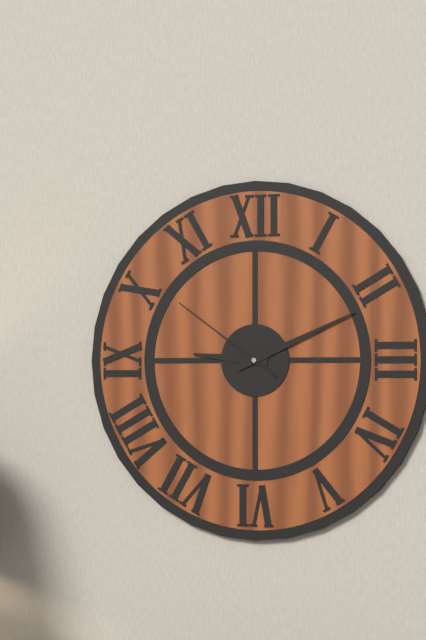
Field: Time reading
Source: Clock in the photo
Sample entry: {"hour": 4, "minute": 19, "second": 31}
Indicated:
{"hour": 9, "minute": 11, "second": 51}
